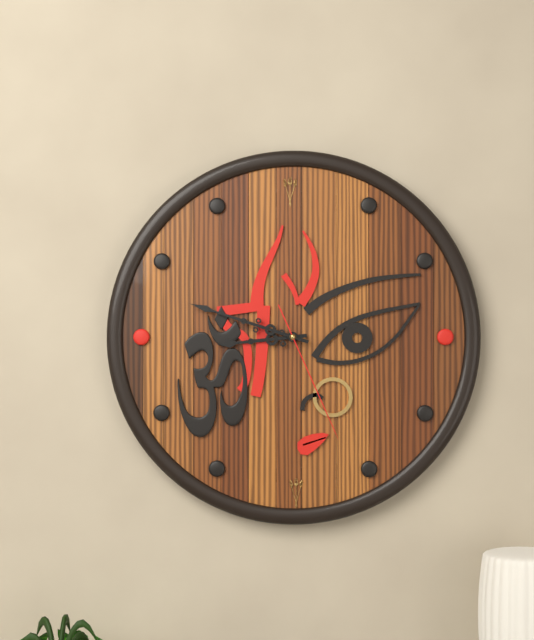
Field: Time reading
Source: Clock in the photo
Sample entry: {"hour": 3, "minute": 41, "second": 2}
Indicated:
{"hour": 8, "minute": 48, "second": 26}
